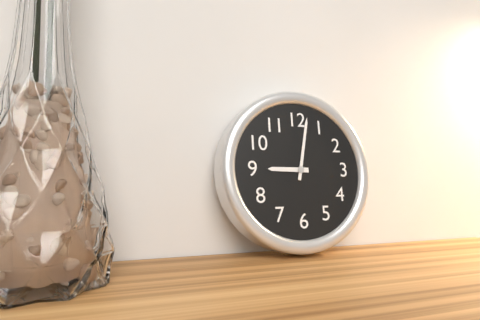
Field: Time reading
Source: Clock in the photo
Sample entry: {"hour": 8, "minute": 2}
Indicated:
{"hour": 9, "minute": 2}
